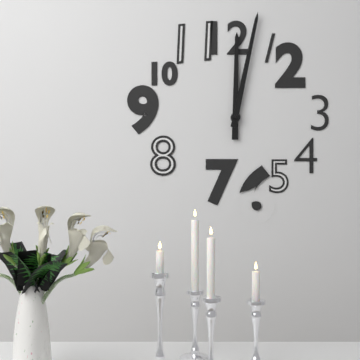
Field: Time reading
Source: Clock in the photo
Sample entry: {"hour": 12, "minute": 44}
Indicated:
{"hour": 12, "minute": 2}
